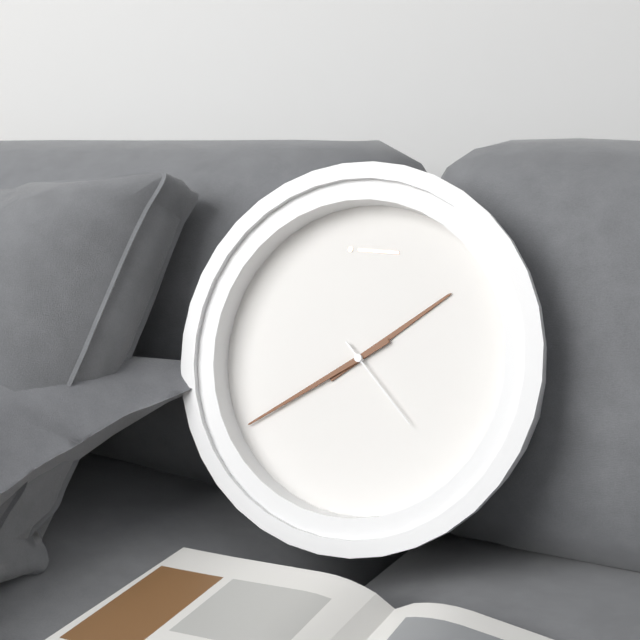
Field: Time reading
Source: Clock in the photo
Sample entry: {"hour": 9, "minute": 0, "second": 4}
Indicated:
{"hour": 1, "minute": 39, "second": 22}
